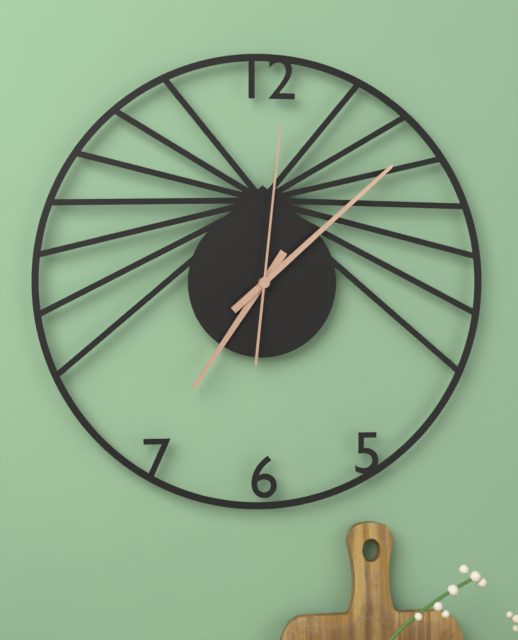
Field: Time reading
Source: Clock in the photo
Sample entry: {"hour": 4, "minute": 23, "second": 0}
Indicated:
{"hour": 7, "minute": 8, "second": 1}
